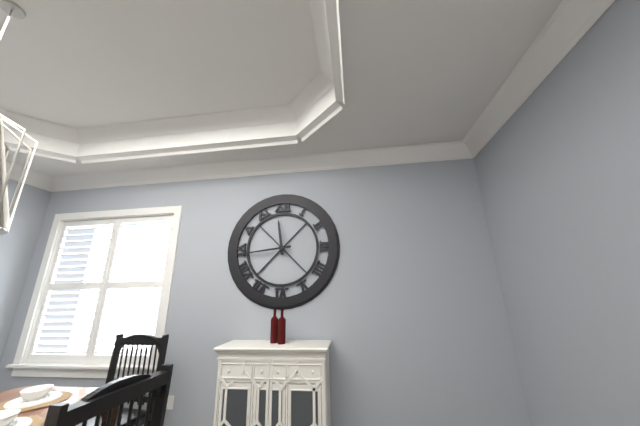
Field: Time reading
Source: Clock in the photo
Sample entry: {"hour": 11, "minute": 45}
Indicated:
{"hour": 11, "minute": 44}
